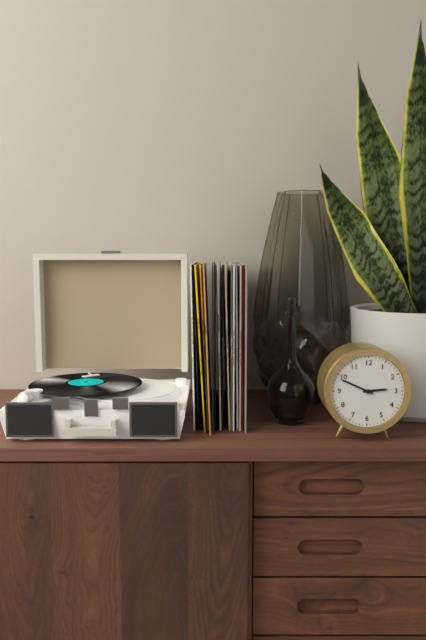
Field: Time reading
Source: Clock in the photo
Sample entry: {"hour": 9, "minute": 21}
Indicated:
{"hour": 2, "minute": 49}
